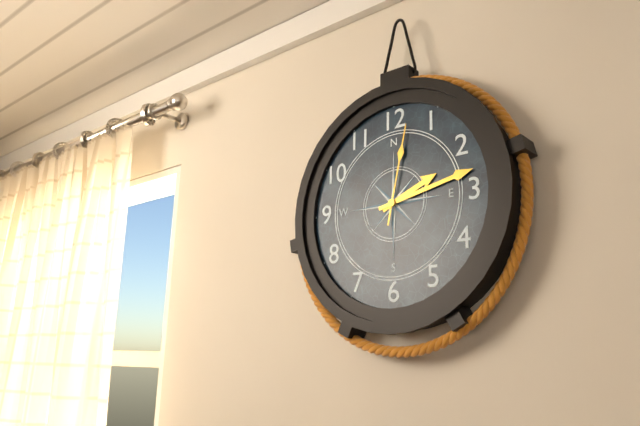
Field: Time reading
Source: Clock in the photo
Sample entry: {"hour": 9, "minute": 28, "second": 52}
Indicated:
{"hour": 2, "minute": 13, "second": 2}
